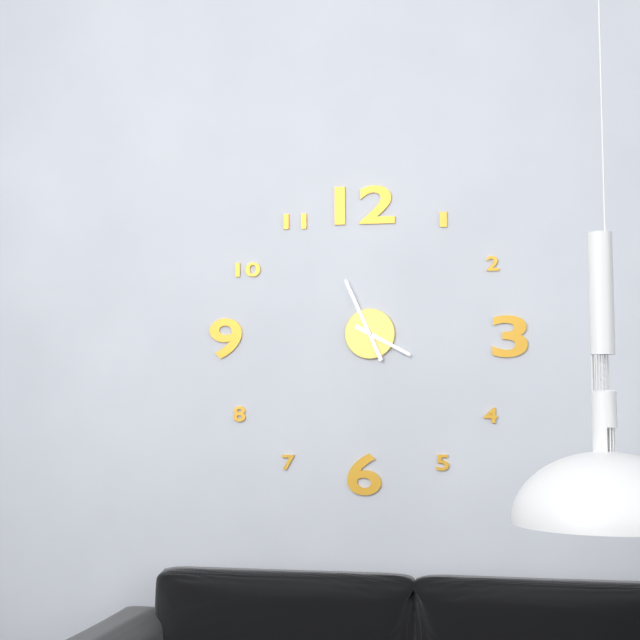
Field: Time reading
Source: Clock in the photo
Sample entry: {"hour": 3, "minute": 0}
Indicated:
{"hour": 3, "minute": 56}
